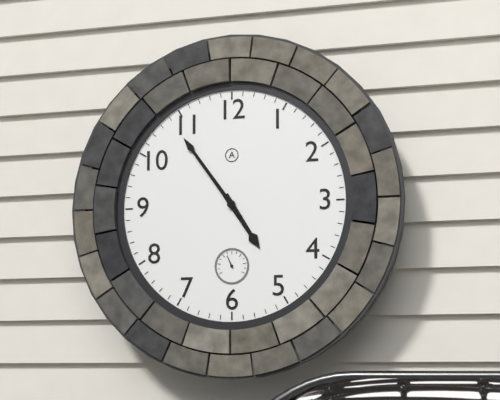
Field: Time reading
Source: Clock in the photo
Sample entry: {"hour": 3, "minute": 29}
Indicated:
{"hour": 4, "minute": 54}
